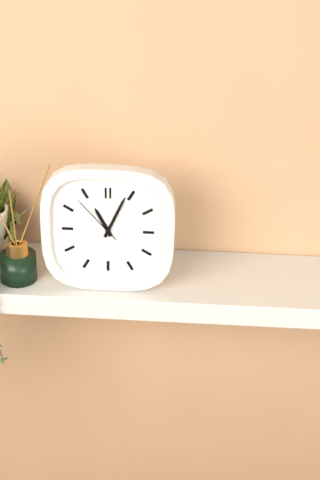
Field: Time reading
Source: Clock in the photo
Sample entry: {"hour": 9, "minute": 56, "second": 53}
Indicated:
{"hour": 11, "minute": 4, "second": 53}
